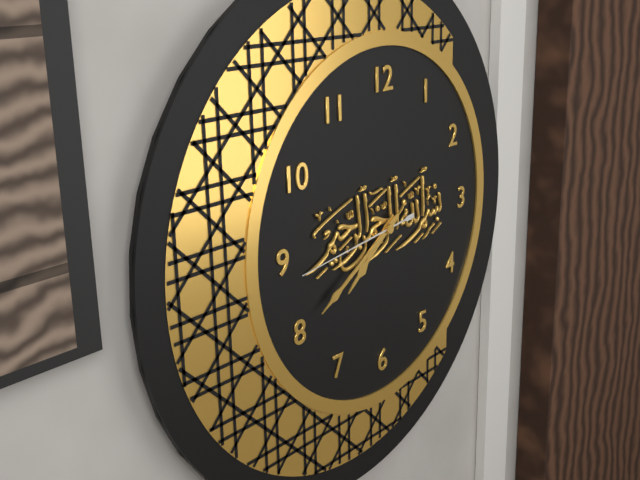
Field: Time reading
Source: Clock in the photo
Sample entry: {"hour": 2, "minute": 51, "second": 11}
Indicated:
{"hour": 7, "minute": 40, "second": 44}
